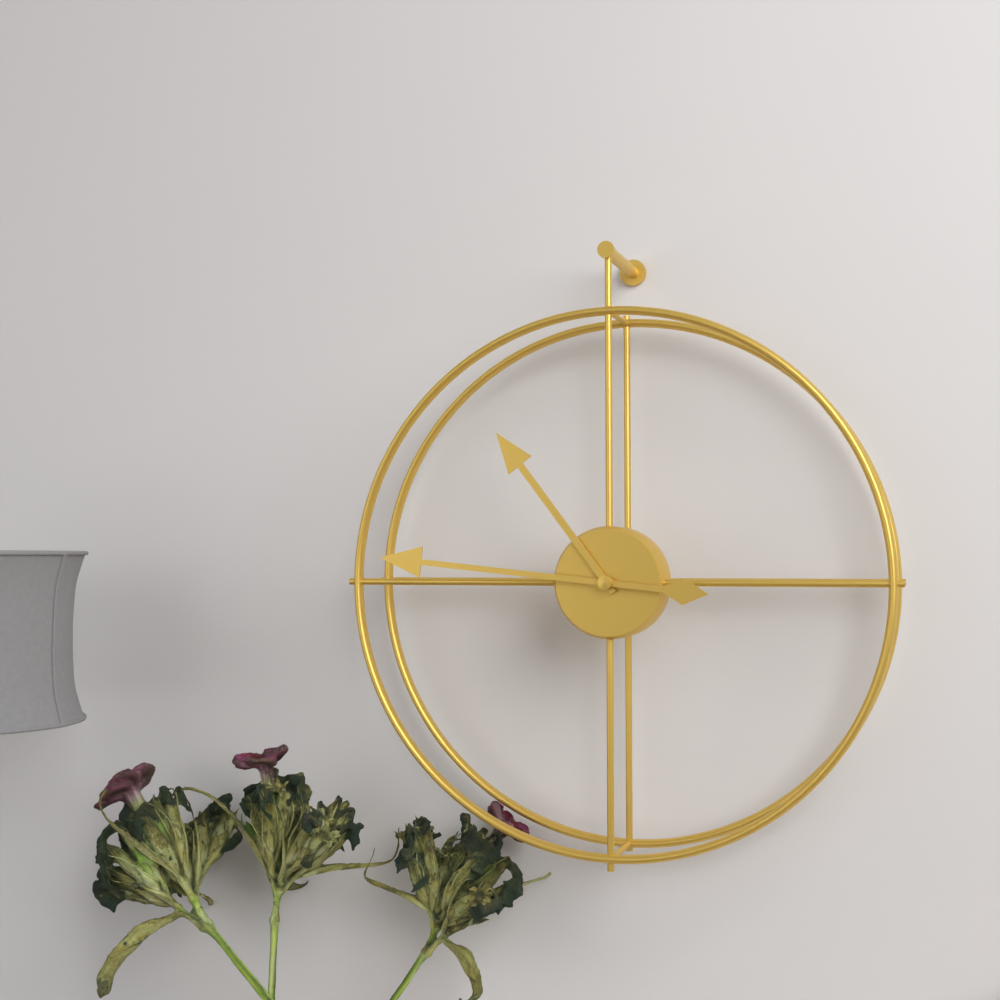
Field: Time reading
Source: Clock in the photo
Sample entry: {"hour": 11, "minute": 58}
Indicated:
{"hour": 10, "minute": 46}
